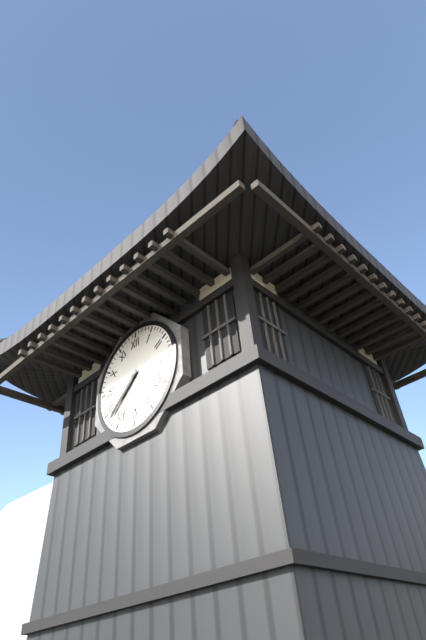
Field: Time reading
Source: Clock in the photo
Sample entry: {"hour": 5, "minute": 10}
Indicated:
{"hour": 7, "minute": 38}
